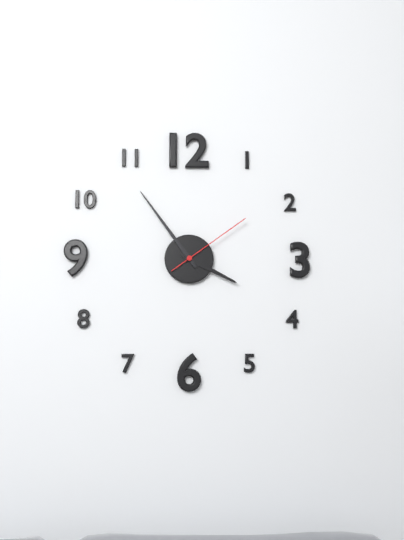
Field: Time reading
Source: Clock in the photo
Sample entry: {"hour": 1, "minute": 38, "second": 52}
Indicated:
{"hour": 3, "minute": 54, "second": 9}
